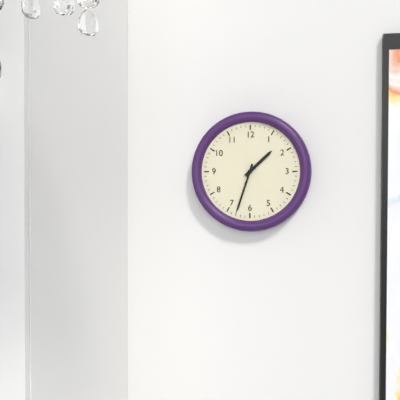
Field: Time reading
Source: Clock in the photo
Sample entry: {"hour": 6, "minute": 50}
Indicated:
{"hour": 1, "minute": 33}
